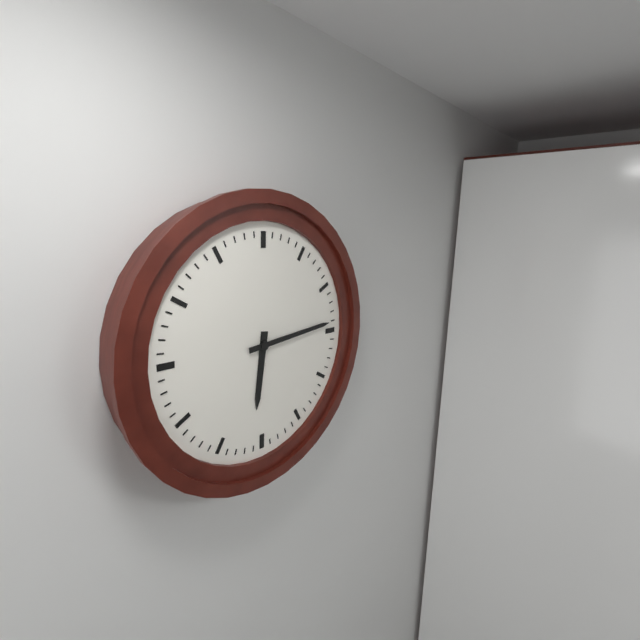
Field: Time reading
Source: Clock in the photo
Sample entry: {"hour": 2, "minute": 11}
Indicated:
{"hour": 6, "minute": 14}
